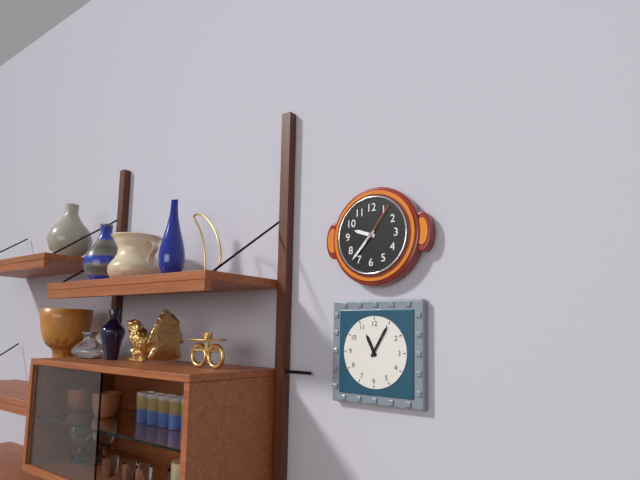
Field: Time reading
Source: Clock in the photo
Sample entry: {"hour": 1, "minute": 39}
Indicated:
{"hour": 9, "minute": 37}
